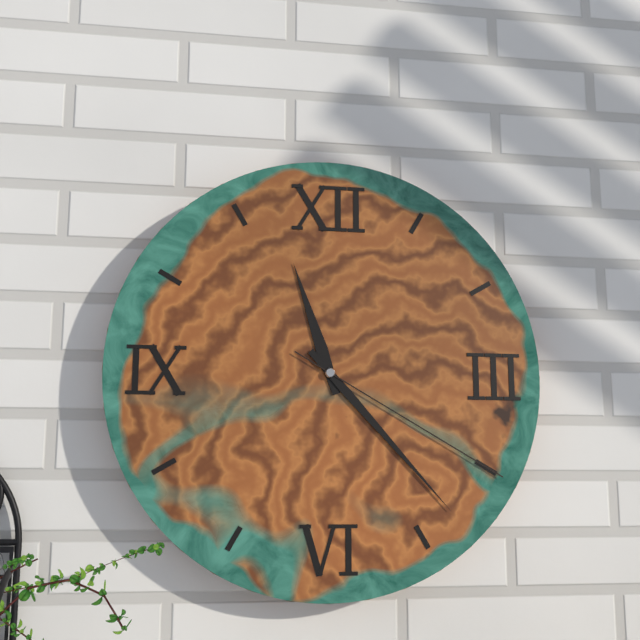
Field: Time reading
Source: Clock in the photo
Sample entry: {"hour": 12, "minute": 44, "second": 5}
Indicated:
{"hour": 11, "minute": 23, "second": 20}
